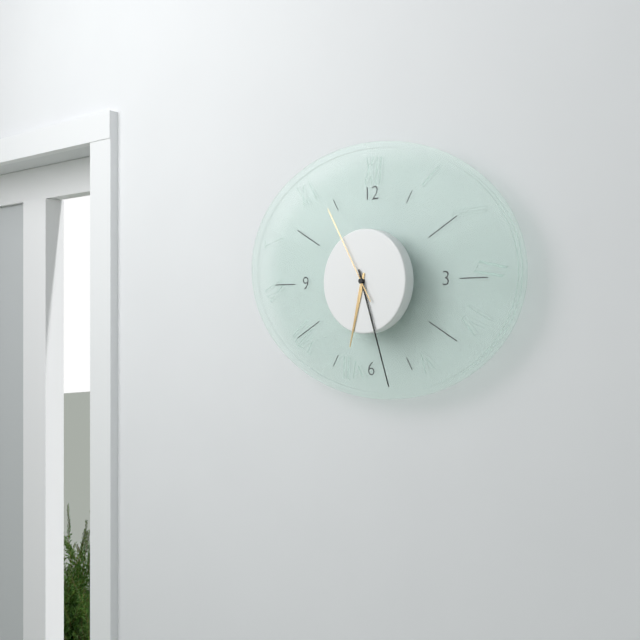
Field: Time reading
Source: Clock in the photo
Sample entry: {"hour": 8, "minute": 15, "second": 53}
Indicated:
{"hour": 6, "minute": 27, "second": 55}
